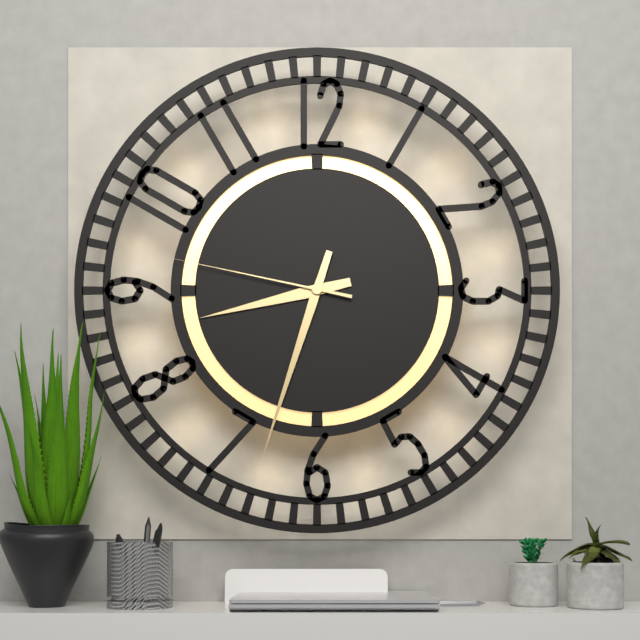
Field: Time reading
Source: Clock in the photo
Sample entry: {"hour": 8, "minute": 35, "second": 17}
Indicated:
{"hour": 8, "minute": 33, "second": 47}
